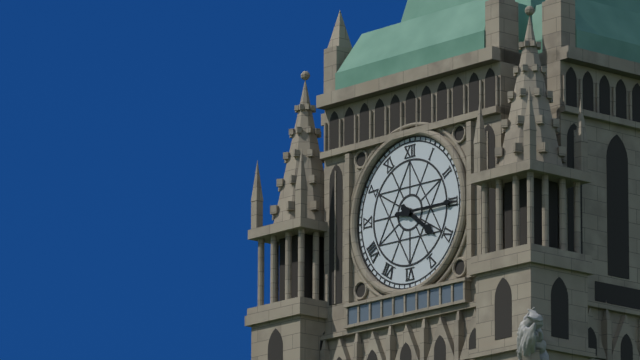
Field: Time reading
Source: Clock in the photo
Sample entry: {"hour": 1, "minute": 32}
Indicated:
{"hour": 4, "minute": 15}
